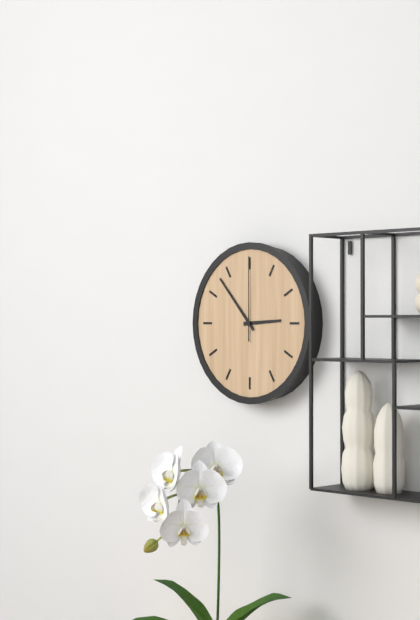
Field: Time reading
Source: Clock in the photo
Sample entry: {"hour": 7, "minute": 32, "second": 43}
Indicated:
{"hour": 2, "minute": 53, "second": 0}
